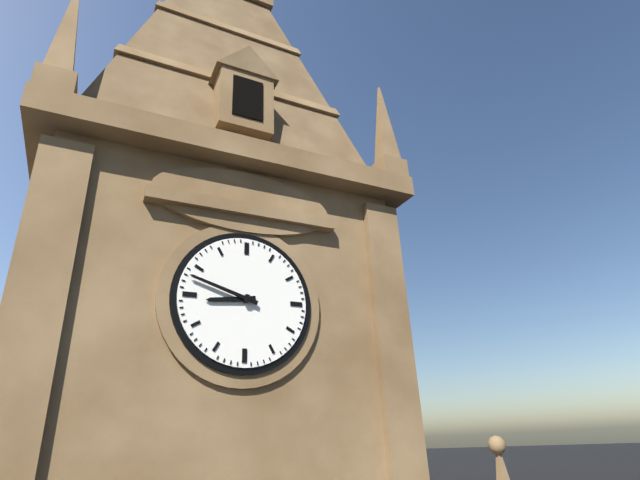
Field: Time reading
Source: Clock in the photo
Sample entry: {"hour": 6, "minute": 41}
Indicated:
{"hour": 8, "minute": 48}
